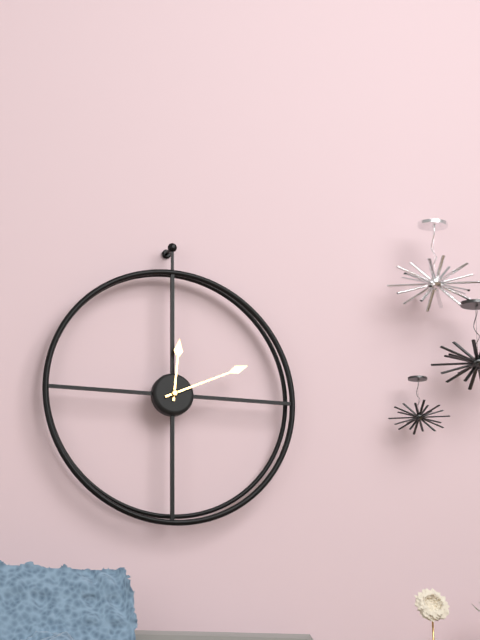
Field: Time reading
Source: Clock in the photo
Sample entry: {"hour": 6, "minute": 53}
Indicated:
{"hour": 12, "minute": 11}
